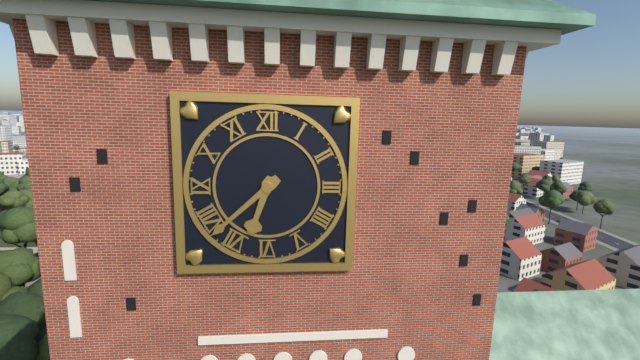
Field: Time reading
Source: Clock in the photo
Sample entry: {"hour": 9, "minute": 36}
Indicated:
{"hour": 6, "minute": 38}
